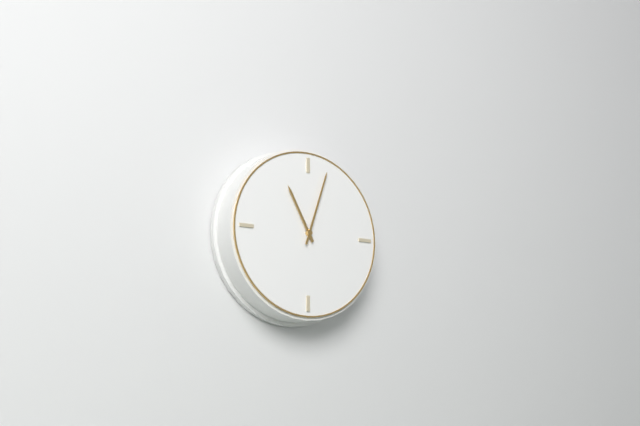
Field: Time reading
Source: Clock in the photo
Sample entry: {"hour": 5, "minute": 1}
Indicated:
{"hour": 11, "minute": 3}
